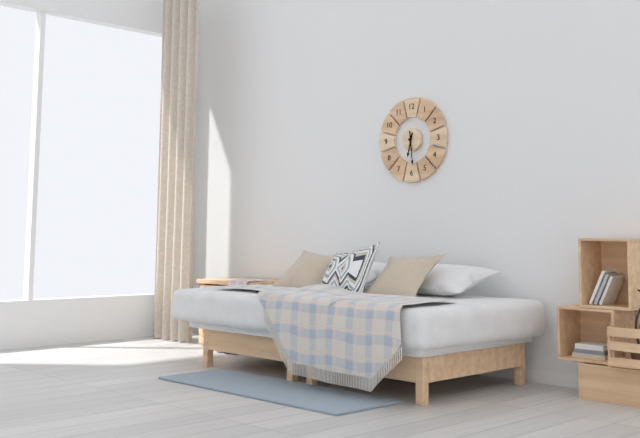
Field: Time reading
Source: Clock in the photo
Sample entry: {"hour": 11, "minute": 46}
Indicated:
{"hour": 6, "minute": 29}
